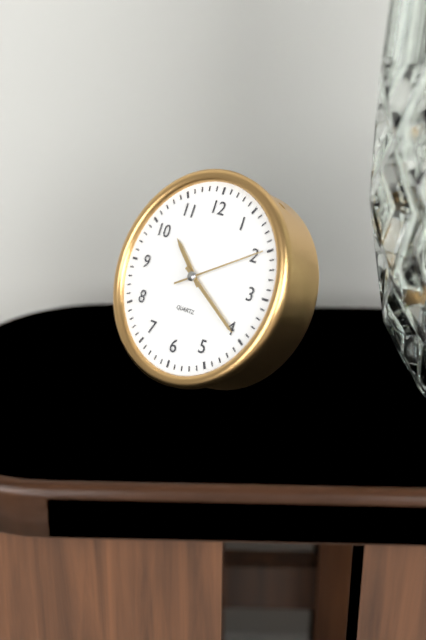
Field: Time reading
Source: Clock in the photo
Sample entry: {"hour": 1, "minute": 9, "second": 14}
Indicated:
{"hour": 10, "minute": 20, "second": 10}
